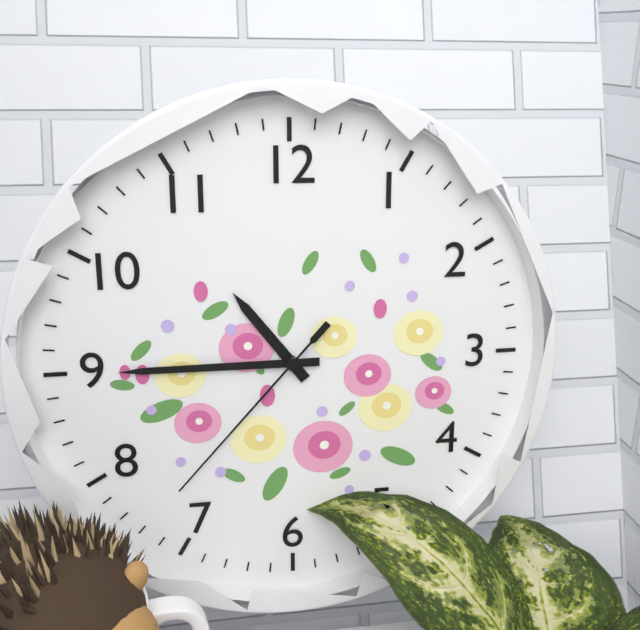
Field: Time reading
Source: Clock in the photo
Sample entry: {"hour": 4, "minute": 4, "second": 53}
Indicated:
{"hour": 10, "minute": 45, "second": 37}
